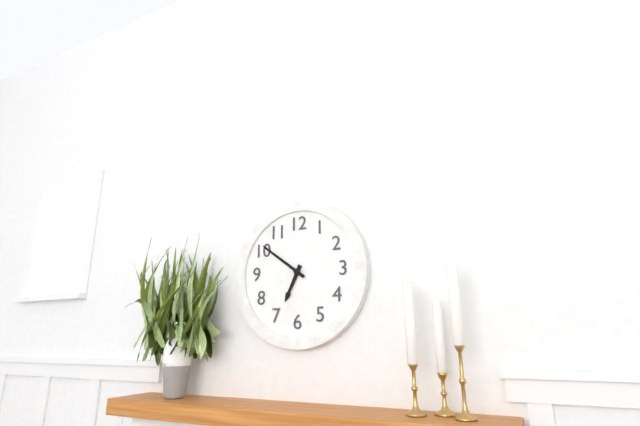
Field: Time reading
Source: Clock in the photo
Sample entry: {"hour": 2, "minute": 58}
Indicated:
{"hour": 6, "minute": 51}
